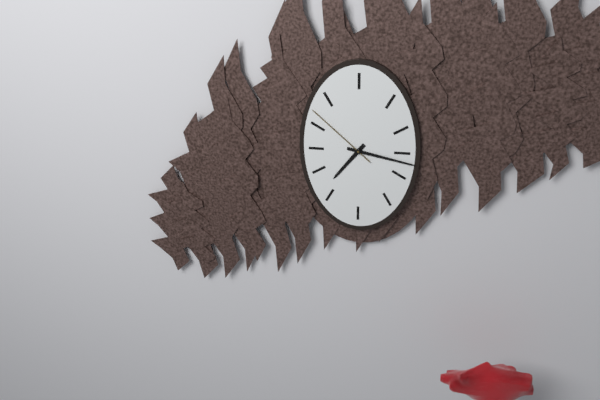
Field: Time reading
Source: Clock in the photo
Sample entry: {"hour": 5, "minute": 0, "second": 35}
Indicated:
{"hour": 7, "minute": 17, "second": 52}
